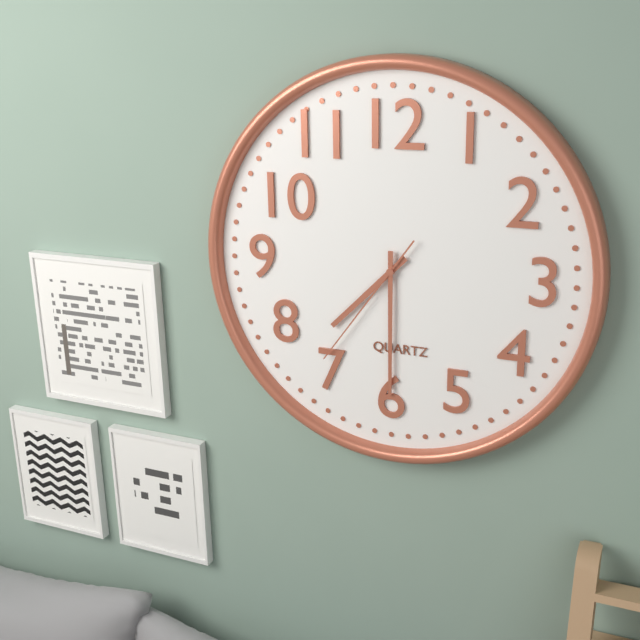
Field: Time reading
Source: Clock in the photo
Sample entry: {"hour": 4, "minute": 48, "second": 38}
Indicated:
{"hour": 7, "minute": 30, "second": 36}
